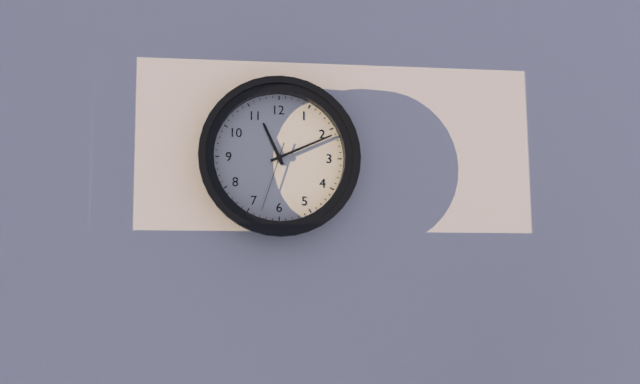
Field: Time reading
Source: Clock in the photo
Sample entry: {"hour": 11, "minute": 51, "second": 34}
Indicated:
{"hour": 11, "minute": 11, "second": 33}
